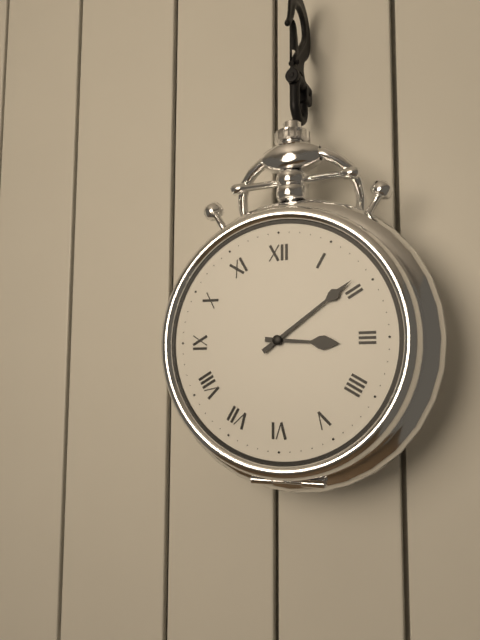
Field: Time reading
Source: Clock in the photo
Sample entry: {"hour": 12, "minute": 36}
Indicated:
{"hour": 3, "minute": 9}
